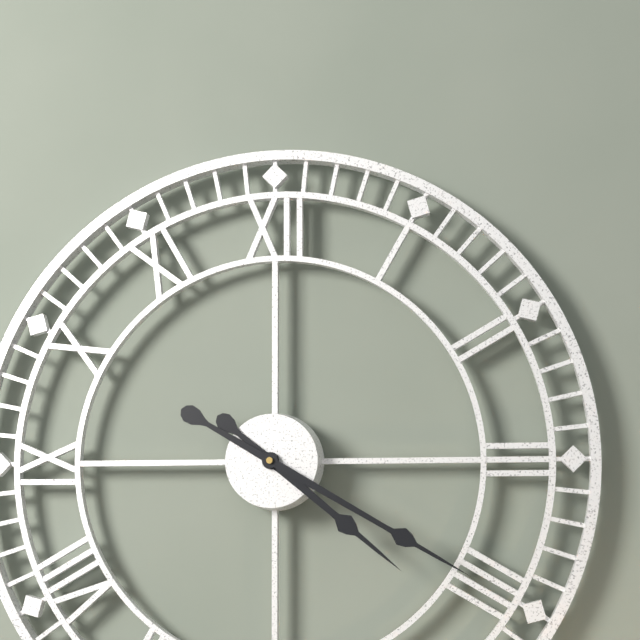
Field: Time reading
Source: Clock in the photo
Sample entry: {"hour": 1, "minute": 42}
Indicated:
{"hour": 4, "minute": 20}
